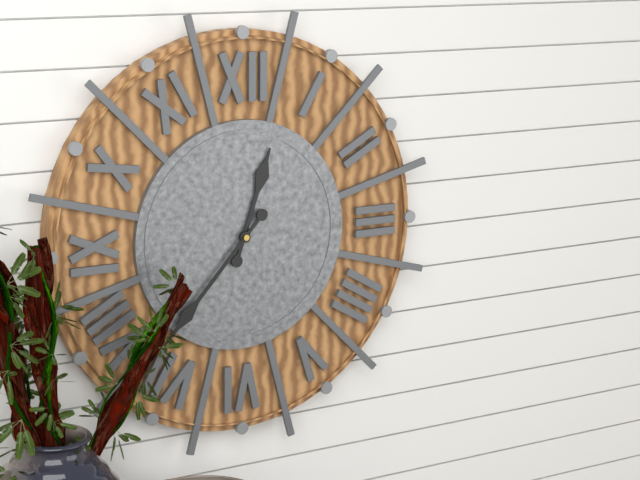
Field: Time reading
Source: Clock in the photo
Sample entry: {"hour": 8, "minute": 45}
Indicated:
{"hour": 12, "minute": 37}
